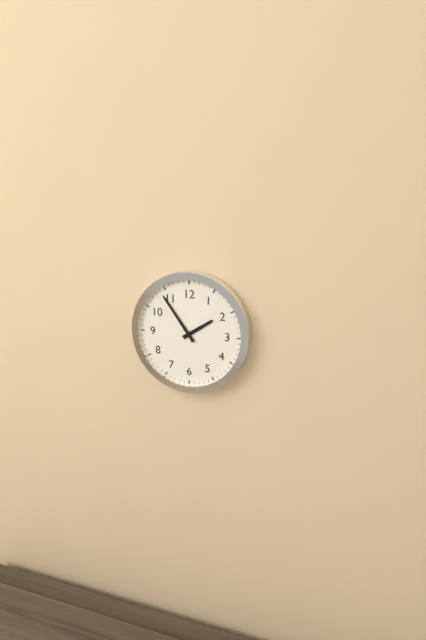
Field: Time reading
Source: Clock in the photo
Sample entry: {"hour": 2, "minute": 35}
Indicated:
{"hour": 1, "minute": 54}
